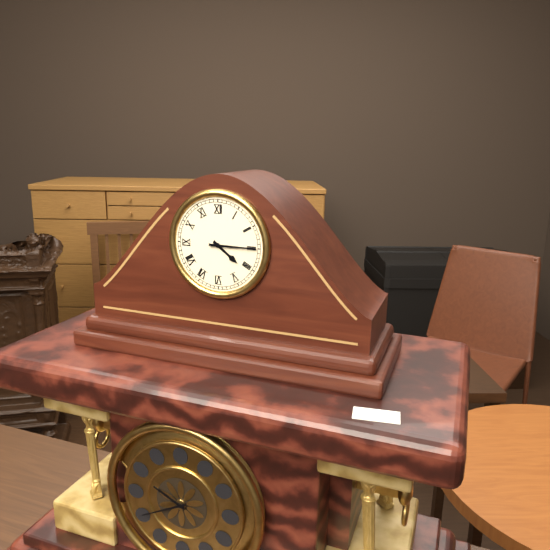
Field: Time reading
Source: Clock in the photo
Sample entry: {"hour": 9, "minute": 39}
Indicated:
{"hour": 4, "minute": 15}
